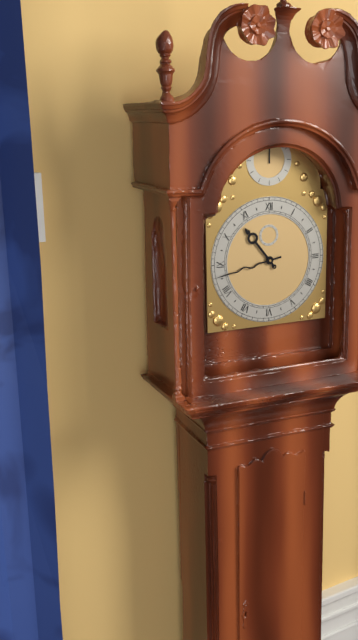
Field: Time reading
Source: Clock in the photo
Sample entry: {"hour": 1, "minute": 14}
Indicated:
{"hour": 10, "minute": 43}
